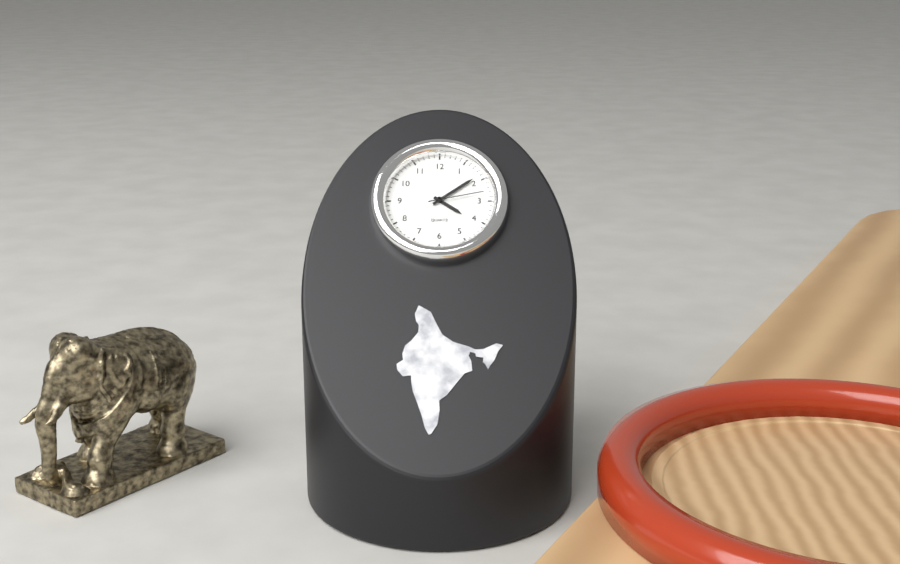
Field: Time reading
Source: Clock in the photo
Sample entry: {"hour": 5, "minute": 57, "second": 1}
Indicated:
{"hour": 4, "minute": 9, "second": 13}
